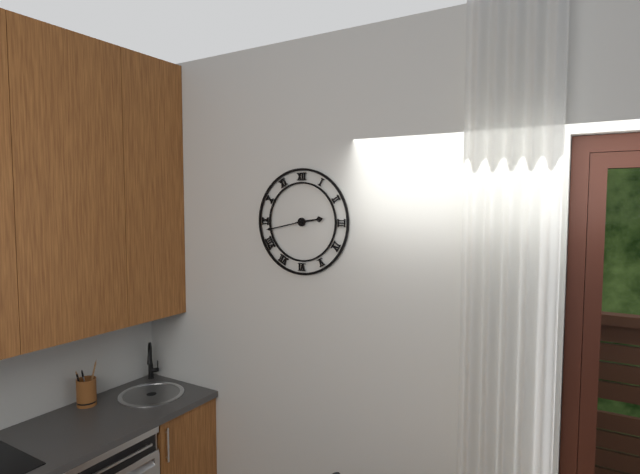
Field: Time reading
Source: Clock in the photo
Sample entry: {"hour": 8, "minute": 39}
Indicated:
{"hour": 2, "minute": 43}
